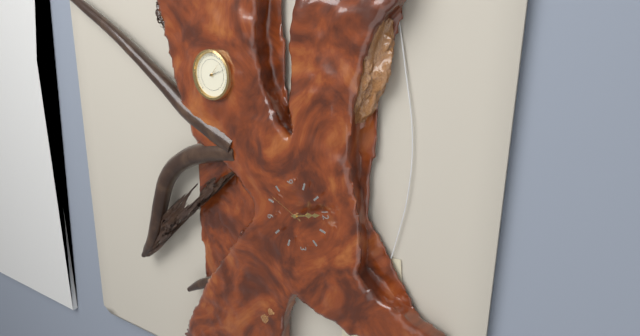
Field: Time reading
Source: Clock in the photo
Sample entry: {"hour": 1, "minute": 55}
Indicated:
{"hour": 12, "minute": 0}
